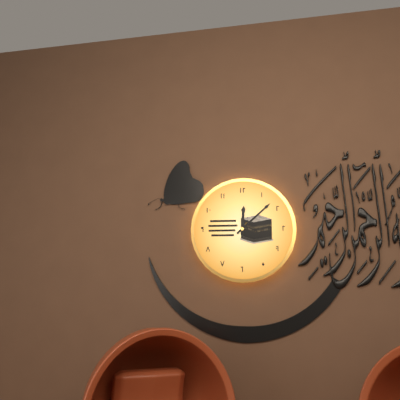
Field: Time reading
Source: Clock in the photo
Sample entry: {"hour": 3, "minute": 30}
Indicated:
{"hour": 12, "minute": 8}
